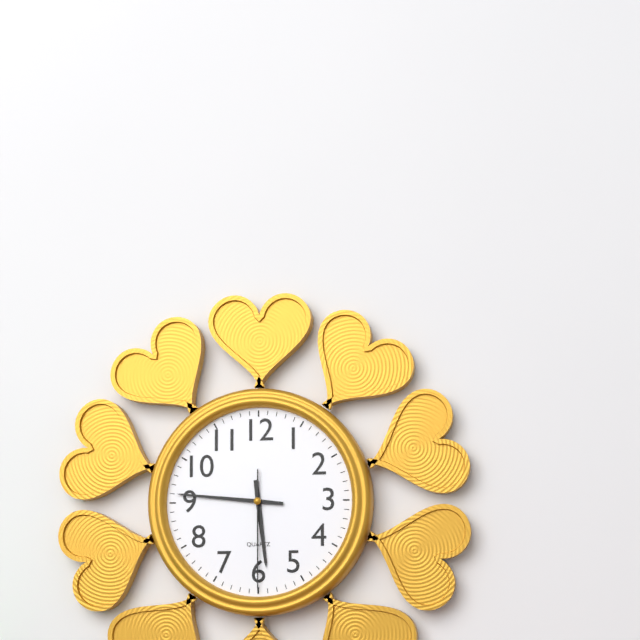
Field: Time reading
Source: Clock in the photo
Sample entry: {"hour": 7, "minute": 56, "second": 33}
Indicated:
{"hour": 5, "minute": 46, "second": 30}
